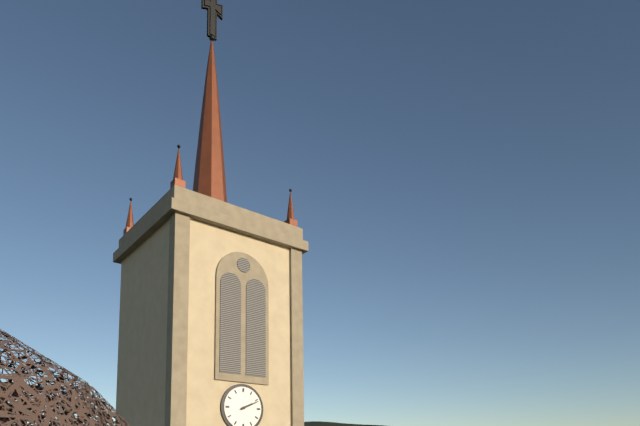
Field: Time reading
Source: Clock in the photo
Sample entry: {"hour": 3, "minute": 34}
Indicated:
{"hour": 2, "minute": 11}
